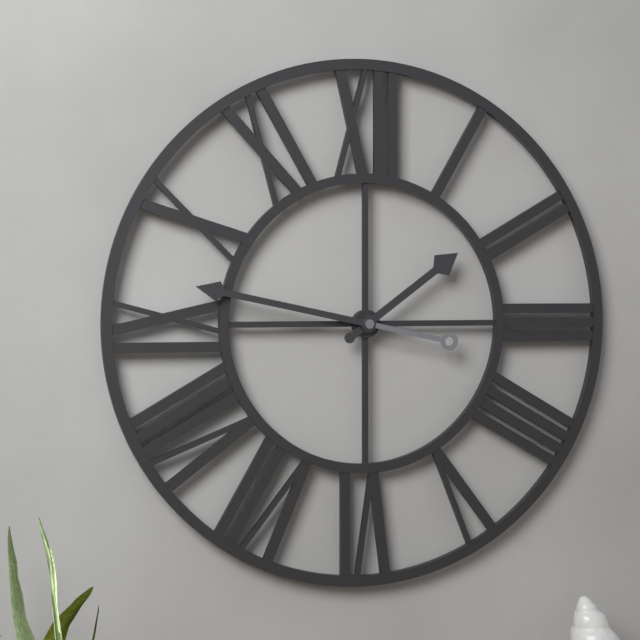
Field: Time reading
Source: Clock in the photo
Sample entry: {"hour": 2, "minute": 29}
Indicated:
{"hour": 1, "minute": 47}
